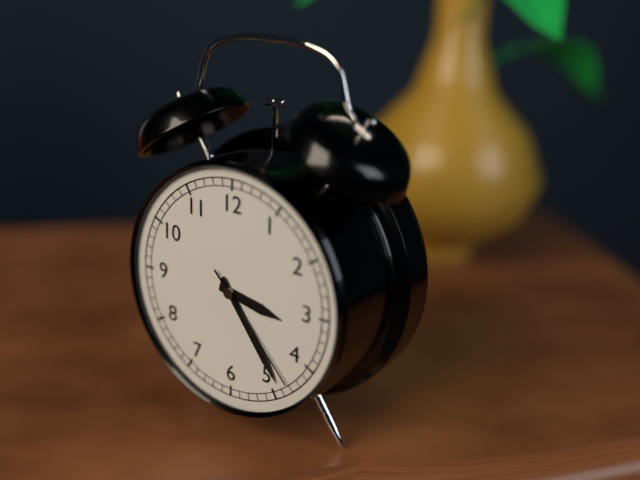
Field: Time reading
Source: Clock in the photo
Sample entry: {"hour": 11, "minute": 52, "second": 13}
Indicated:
{"hour": 3, "minute": 24, "second": 23}
